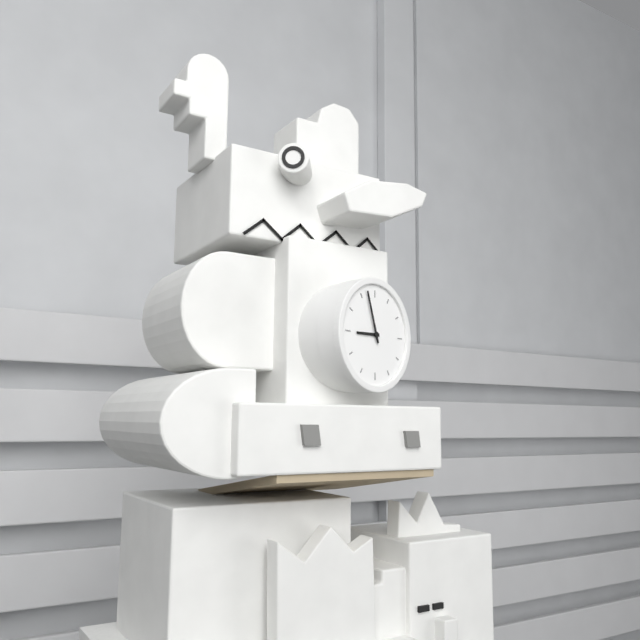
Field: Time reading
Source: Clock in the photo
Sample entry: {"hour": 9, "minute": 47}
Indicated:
{"hour": 8, "minute": 57}
